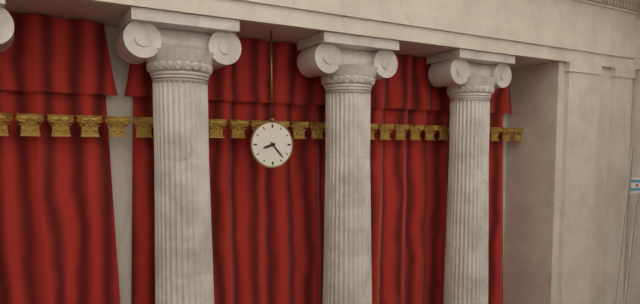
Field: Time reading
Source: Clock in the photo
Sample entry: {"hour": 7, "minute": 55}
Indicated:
{"hour": 8, "minute": 23}
